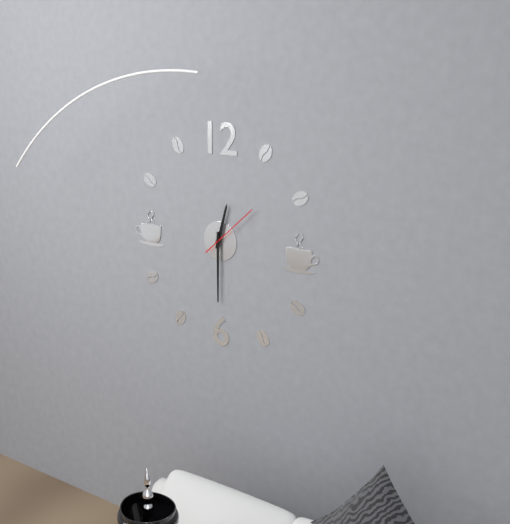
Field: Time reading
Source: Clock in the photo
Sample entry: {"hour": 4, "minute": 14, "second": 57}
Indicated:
{"hour": 12, "minute": 30, "second": 8}
